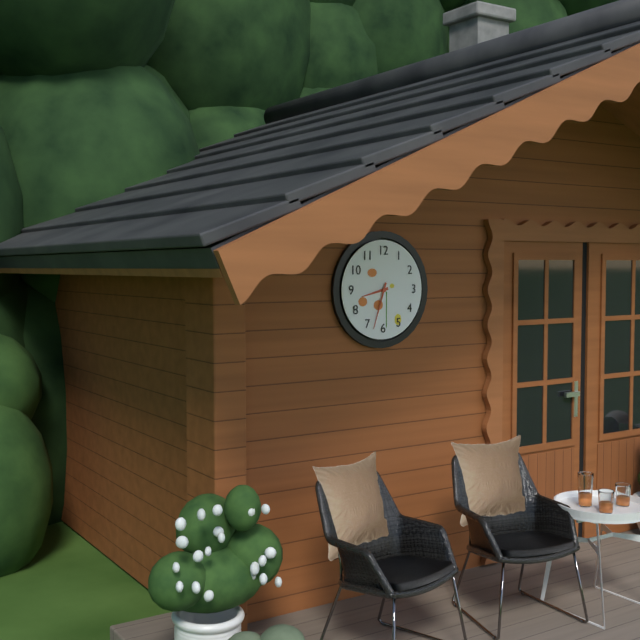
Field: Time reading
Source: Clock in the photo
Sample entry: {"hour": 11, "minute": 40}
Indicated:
{"hour": 8, "minute": 33}
